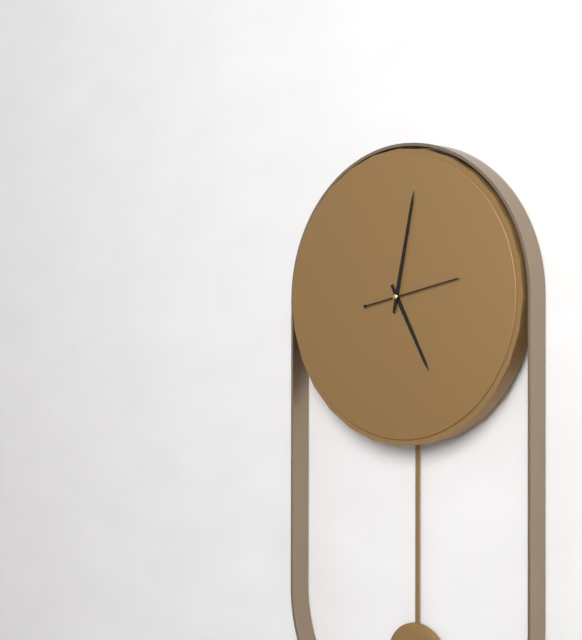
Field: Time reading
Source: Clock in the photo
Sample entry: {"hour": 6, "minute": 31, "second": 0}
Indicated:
{"hour": 5, "minute": 2, "second": 13}
